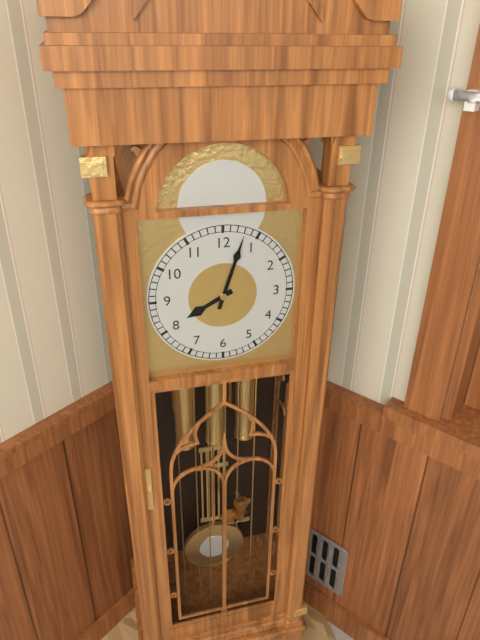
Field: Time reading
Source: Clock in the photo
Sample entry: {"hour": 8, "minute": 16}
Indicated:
{"hour": 8, "minute": 3}
